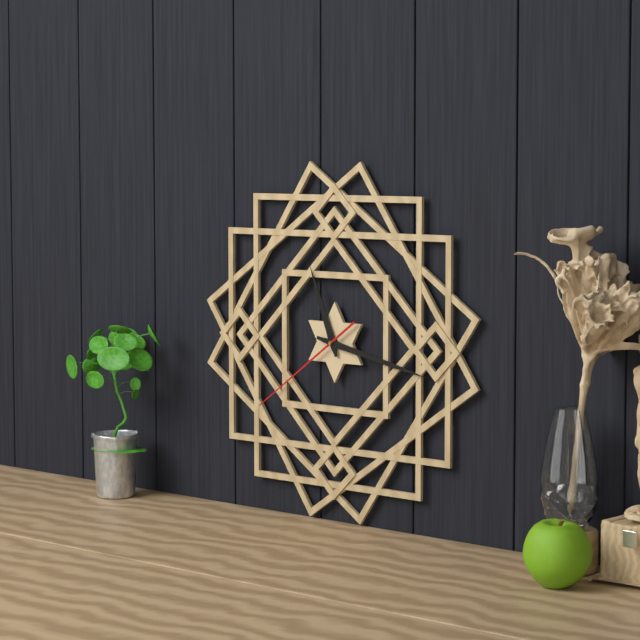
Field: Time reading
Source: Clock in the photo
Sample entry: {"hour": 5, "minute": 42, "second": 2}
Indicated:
{"hour": 11, "minute": 17, "second": 39}
